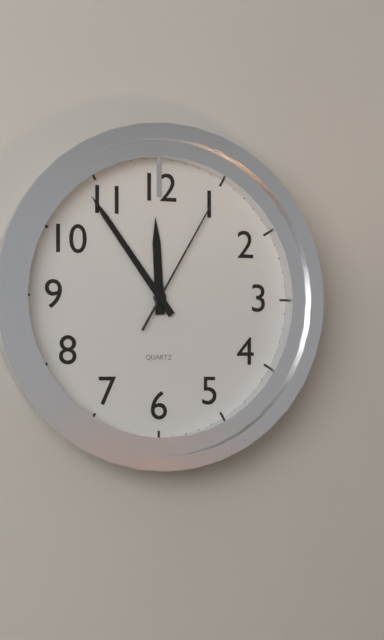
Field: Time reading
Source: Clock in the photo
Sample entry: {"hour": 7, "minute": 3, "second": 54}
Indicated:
{"hour": 11, "minute": 54, "second": 5}
